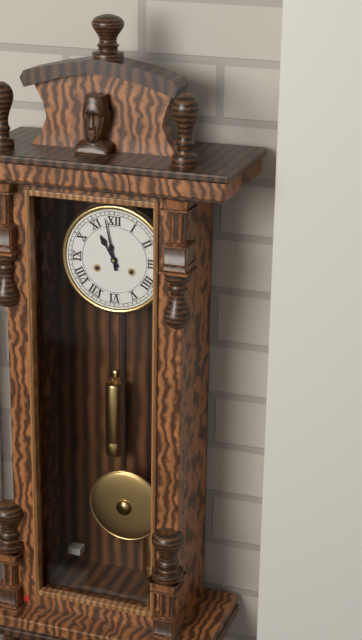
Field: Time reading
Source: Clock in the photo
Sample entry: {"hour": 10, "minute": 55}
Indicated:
{"hour": 10, "minute": 58}
